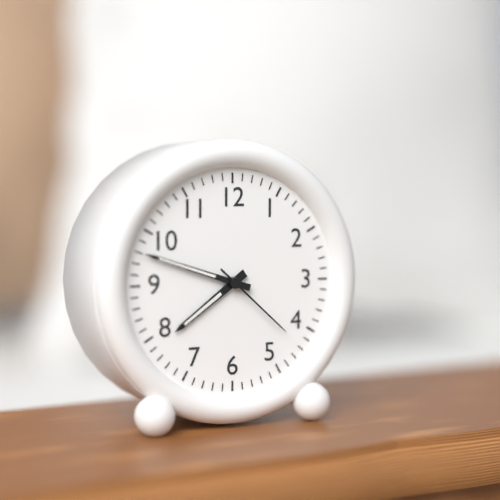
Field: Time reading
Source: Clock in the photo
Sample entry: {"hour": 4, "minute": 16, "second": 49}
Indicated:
{"hour": 7, "minute": 48, "second": 22}
